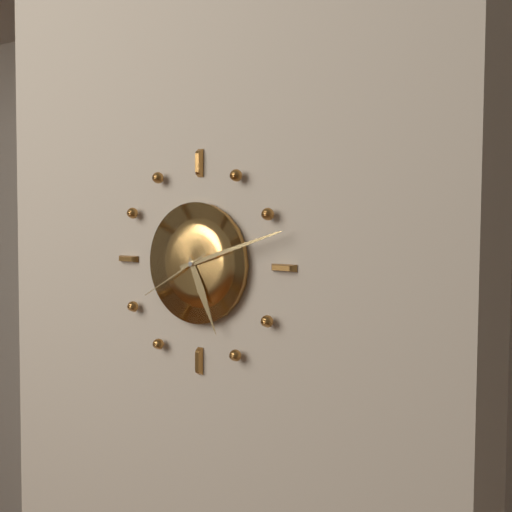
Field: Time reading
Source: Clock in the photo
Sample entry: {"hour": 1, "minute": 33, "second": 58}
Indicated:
{"hour": 5, "minute": 12, "second": 40}
